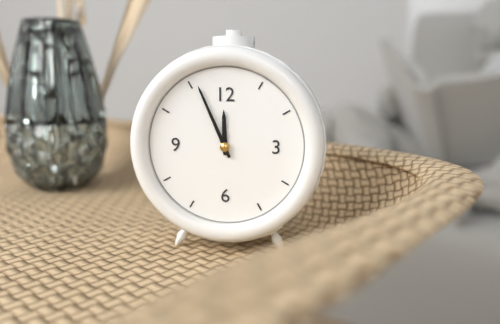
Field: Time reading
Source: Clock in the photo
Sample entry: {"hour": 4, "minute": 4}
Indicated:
{"hour": 11, "minute": 56}
